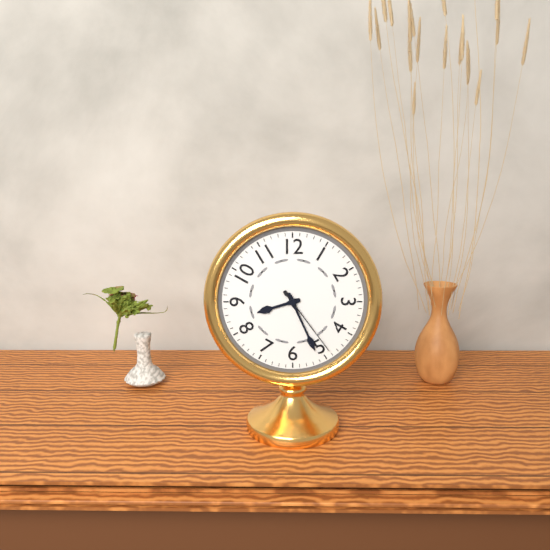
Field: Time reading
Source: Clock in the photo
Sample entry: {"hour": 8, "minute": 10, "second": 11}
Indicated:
{"hour": 8, "minute": 26, "second": 24}
